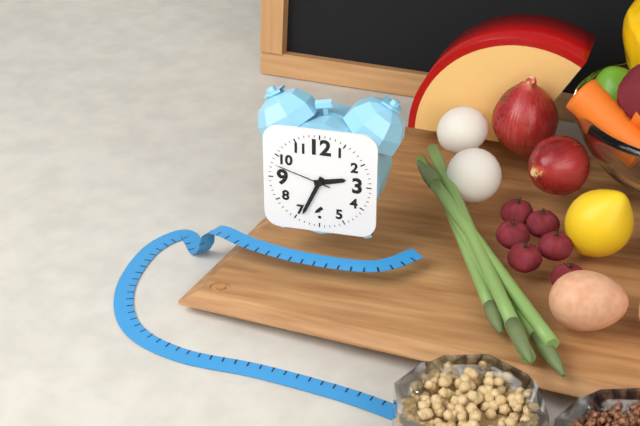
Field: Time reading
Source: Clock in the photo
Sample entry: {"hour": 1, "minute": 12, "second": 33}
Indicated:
{"hour": 2, "minute": 34, "second": 48}
